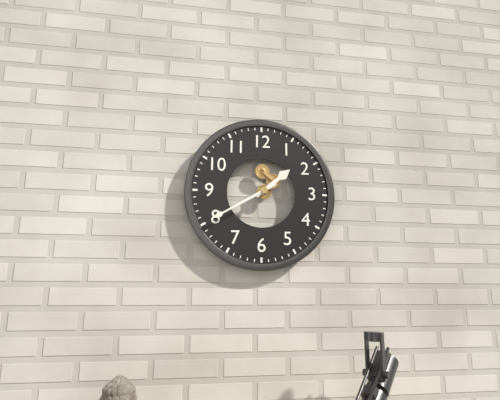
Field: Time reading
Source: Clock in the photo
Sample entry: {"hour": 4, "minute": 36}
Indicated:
{"hour": 1, "minute": 40}
